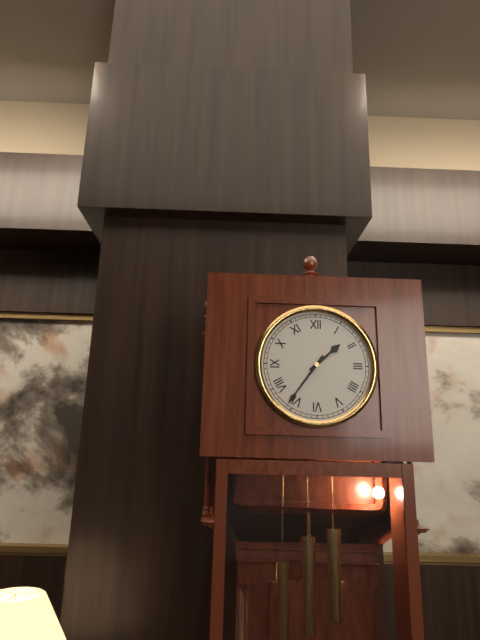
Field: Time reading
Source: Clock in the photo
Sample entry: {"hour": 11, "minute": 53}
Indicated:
{"hour": 1, "minute": 36}
